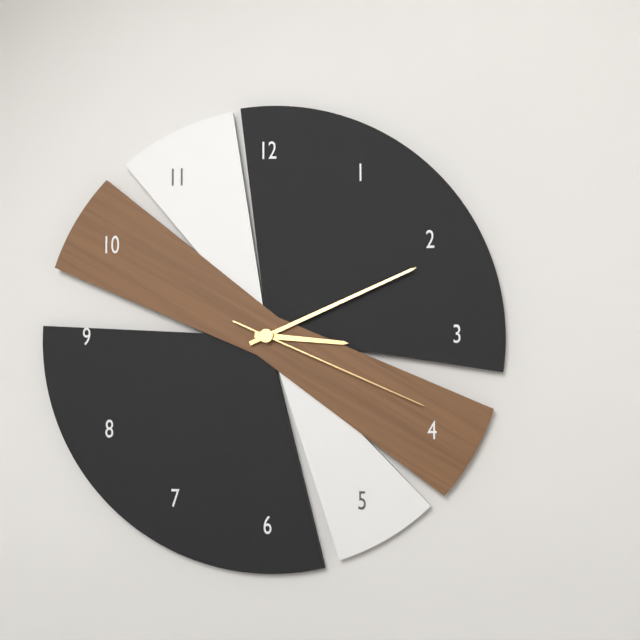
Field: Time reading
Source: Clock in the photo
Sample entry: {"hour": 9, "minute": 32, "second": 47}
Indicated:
{"hour": 3, "minute": 11, "second": 19}
